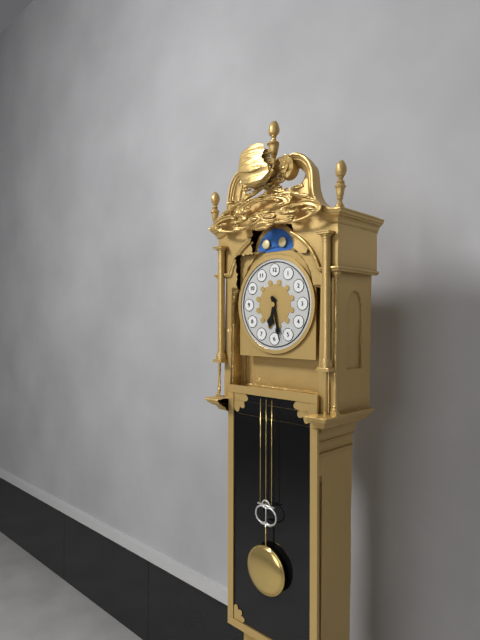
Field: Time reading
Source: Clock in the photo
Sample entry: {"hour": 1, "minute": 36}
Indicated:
{"hour": 6, "minute": 28}
